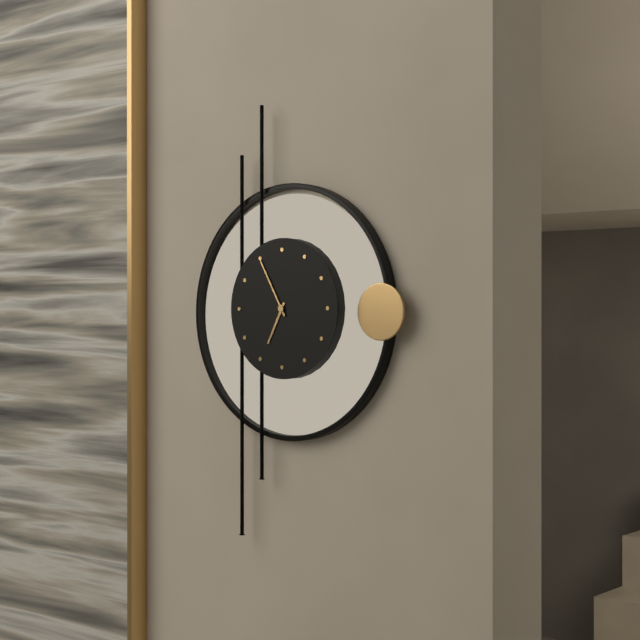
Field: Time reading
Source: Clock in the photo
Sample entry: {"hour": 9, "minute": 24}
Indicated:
{"hour": 6, "minute": 55}
